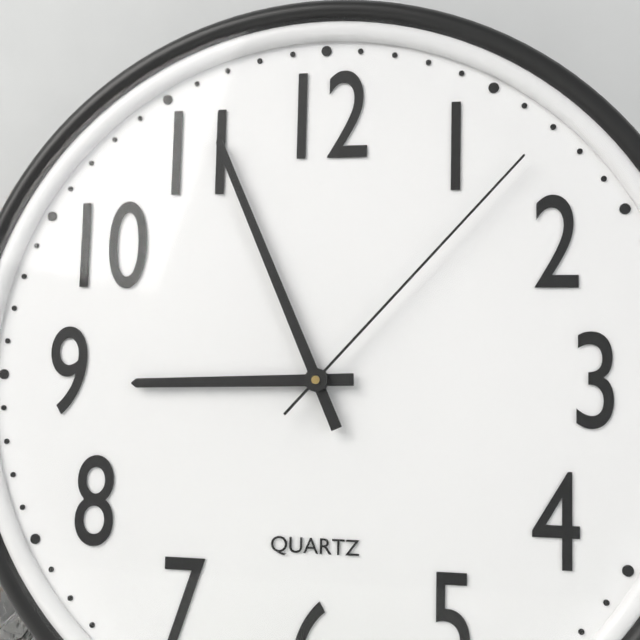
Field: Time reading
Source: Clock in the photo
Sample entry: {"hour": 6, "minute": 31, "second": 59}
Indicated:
{"hour": 8, "minute": 56, "second": 7}
